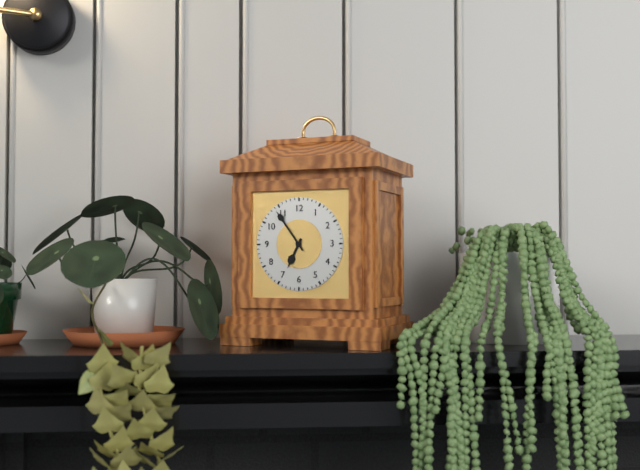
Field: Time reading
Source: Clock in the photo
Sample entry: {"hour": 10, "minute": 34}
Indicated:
{"hour": 6, "minute": 54}
